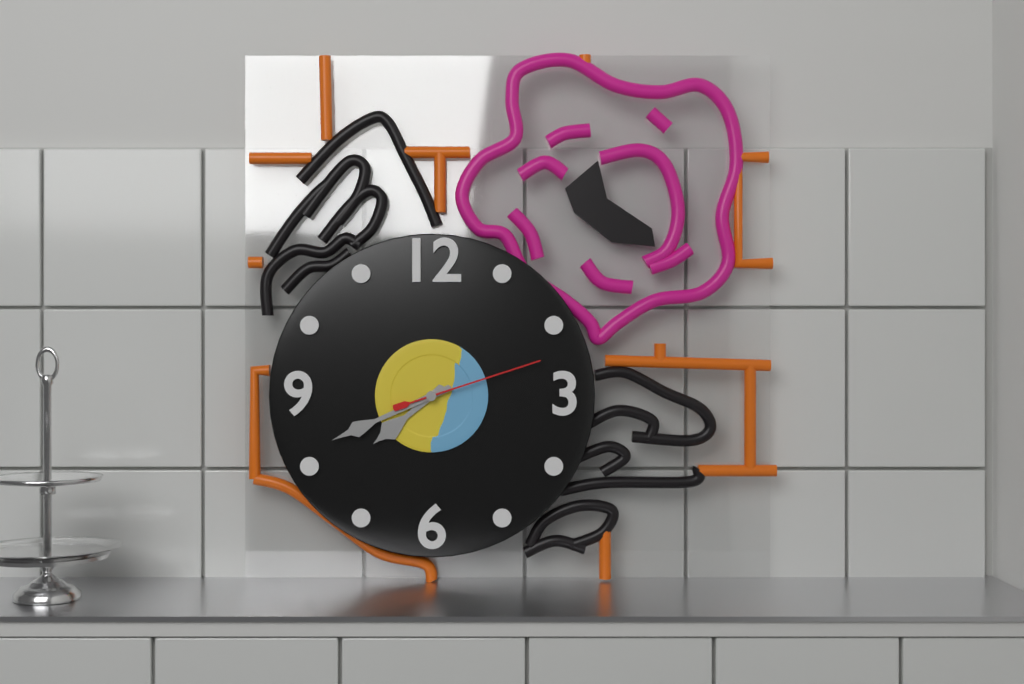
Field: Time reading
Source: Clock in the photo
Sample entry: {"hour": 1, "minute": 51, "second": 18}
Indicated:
{"hour": 7, "minute": 41, "second": 12}
